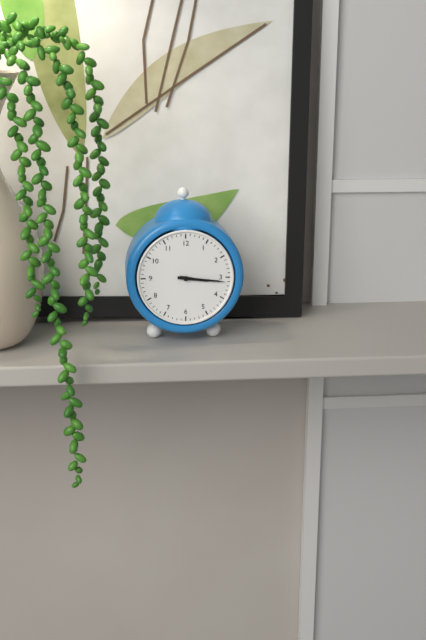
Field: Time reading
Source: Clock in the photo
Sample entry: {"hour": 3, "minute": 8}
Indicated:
{"hour": 3, "minute": 16}
